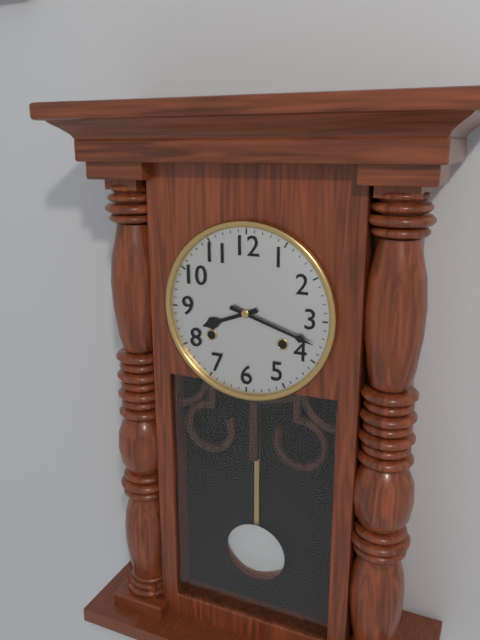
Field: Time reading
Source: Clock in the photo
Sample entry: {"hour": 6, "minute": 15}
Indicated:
{"hour": 8, "minute": 18}
